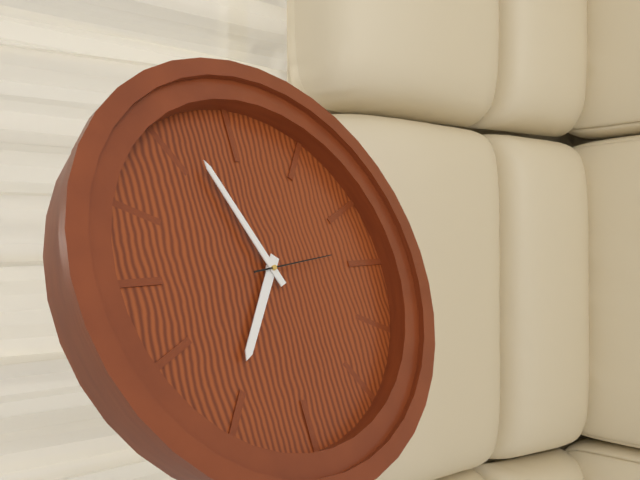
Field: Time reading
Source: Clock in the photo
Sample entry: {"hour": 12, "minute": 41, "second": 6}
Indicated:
{"hour": 10, "minute": 11, "second": 29}
